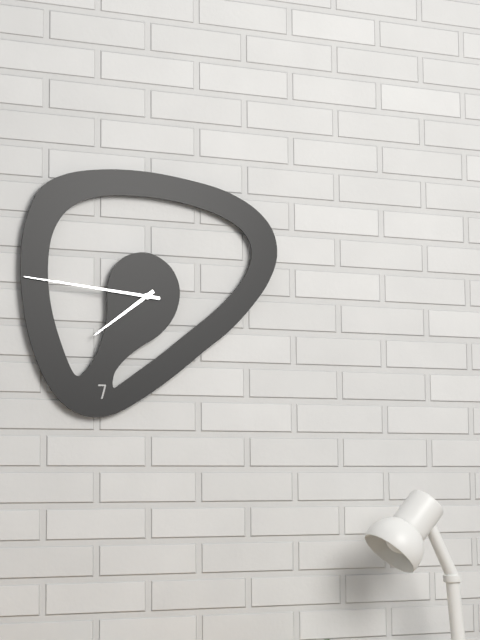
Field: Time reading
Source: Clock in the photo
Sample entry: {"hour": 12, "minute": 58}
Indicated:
{"hour": 7, "minute": 46}
